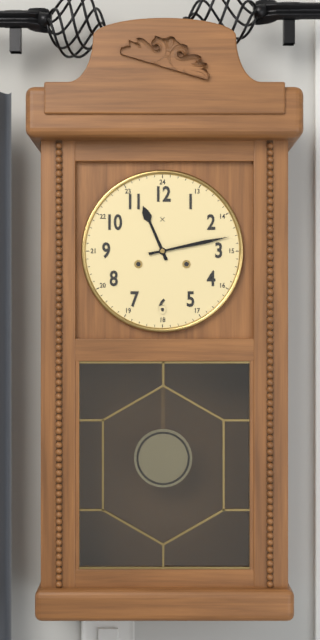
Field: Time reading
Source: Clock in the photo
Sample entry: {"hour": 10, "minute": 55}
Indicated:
{"hour": 11, "minute": 13}
